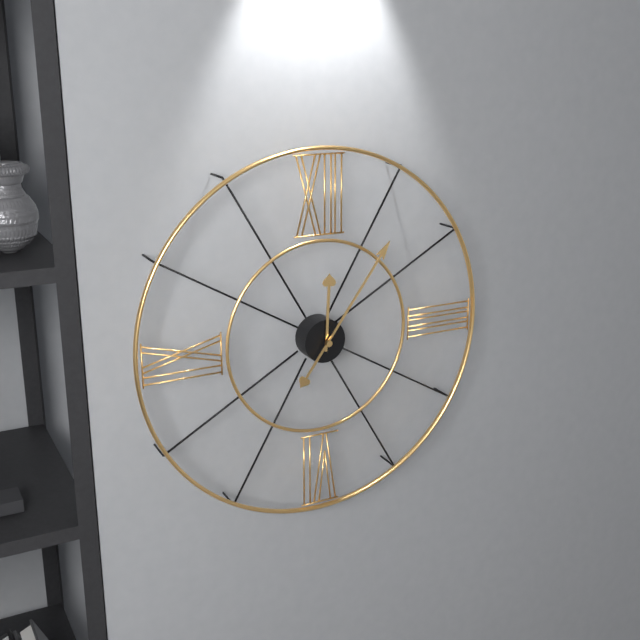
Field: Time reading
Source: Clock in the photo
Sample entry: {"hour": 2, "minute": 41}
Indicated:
{"hour": 12, "minute": 6}
